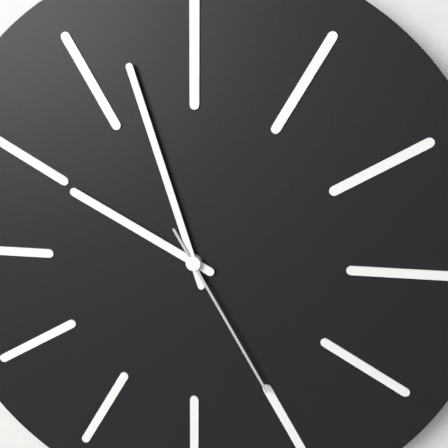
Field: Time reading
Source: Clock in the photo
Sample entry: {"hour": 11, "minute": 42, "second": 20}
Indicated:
{"hour": 9, "minute": 57, "second": 25}
